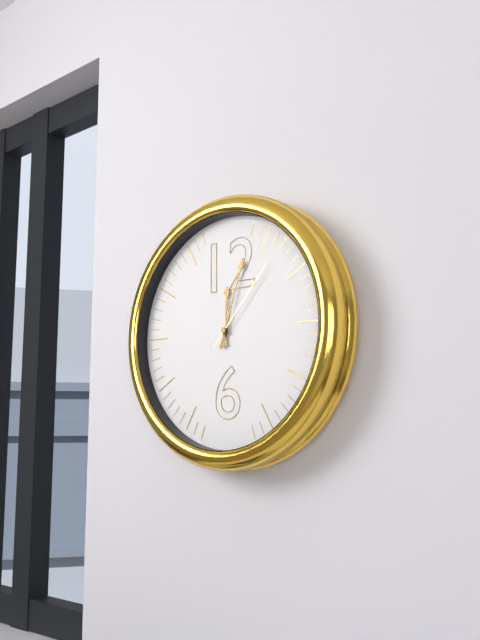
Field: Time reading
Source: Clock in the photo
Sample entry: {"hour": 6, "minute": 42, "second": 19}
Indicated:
{"hour": 12, "minute": 3, "second": 7}
